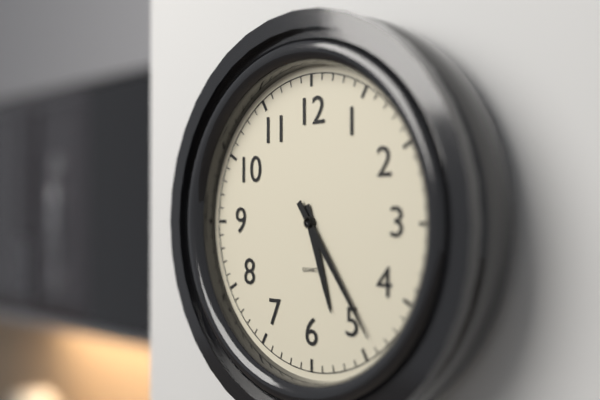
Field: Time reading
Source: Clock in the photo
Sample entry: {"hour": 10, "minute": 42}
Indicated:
{"hour": 5, "minute": 24}
